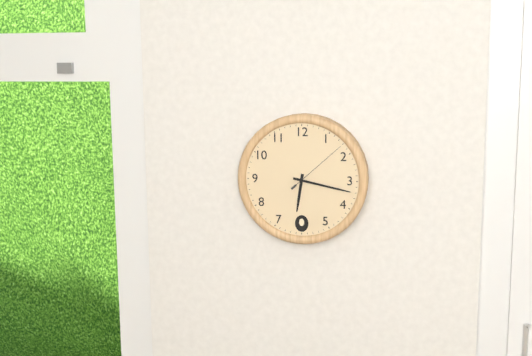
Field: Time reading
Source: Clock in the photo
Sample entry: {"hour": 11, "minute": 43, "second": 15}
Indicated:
{"hour": 6, "minute": 17, "second": 8}
